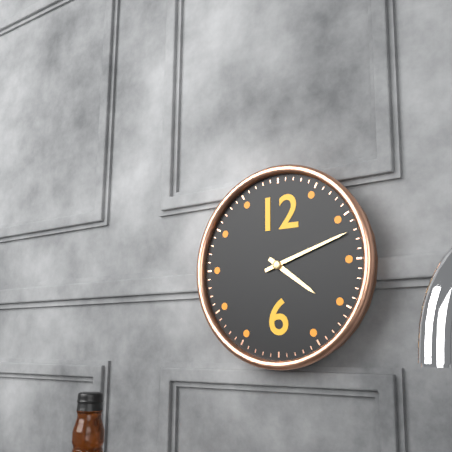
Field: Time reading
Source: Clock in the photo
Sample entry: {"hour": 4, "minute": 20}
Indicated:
{"hour": 4, "minute": 12}
